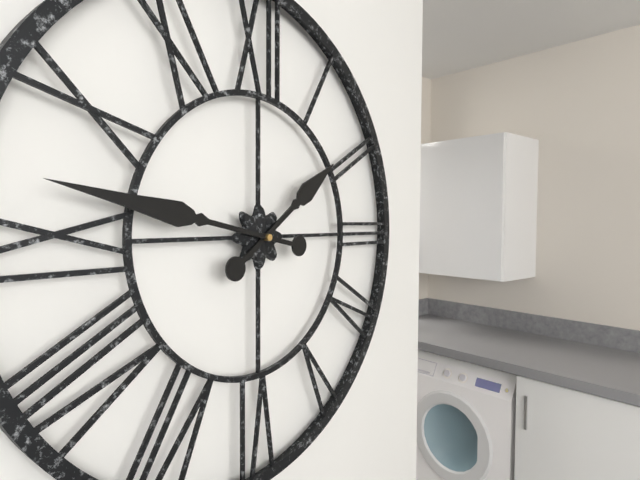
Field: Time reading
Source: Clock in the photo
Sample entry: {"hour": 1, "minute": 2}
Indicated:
{"hour": 1, "minute": 47}
